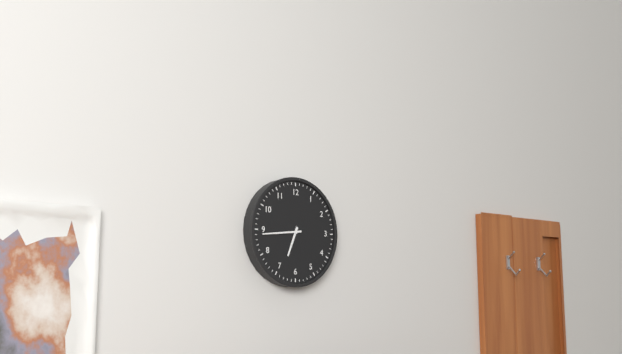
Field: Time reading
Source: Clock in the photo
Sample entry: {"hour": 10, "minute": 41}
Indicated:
{"hour": 6, "minute": 44}
